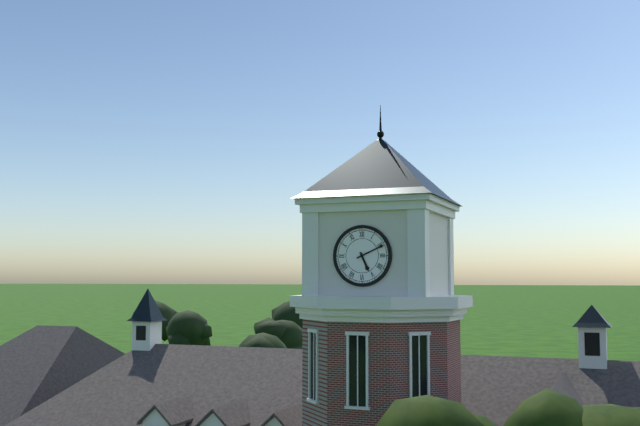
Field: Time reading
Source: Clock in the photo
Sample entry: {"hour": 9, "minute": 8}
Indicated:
{"hour": 5, "minute": 11}
